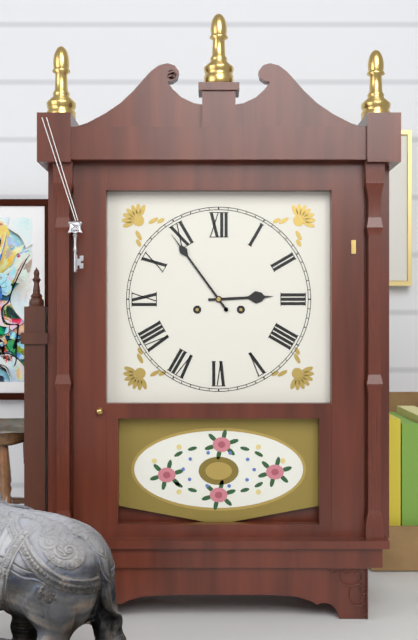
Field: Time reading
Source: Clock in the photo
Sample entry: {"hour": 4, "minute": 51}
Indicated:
{"hour": 2, "minute": 54}
